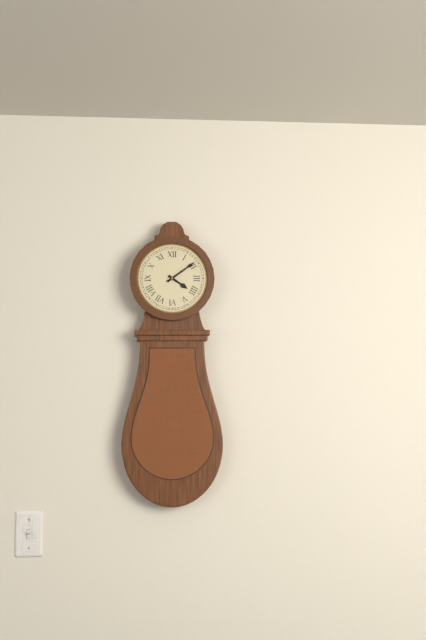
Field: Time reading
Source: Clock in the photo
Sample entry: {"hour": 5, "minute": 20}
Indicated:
{"hour": 4, "minute": 9}
